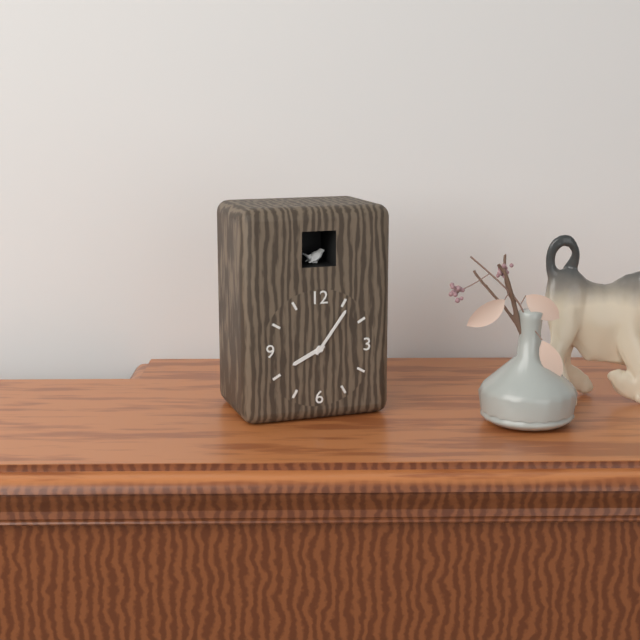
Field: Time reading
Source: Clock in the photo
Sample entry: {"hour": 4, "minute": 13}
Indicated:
{"hour": 8, "minute": 6}
